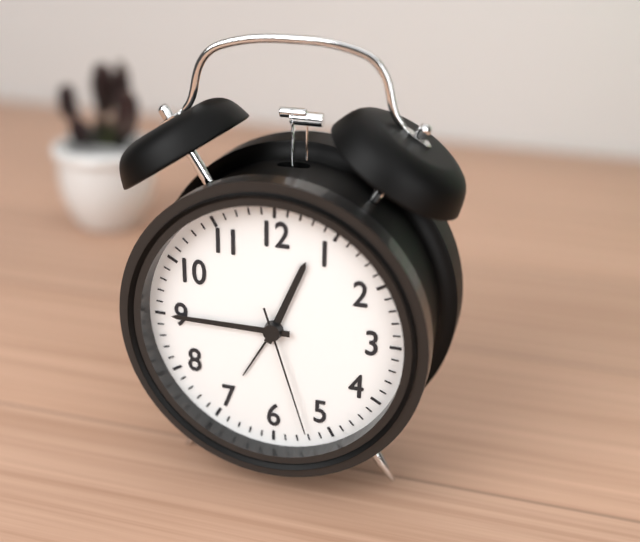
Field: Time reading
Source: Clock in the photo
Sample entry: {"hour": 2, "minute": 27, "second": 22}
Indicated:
{"hour": 12, "minute": 45, "second": 27}
